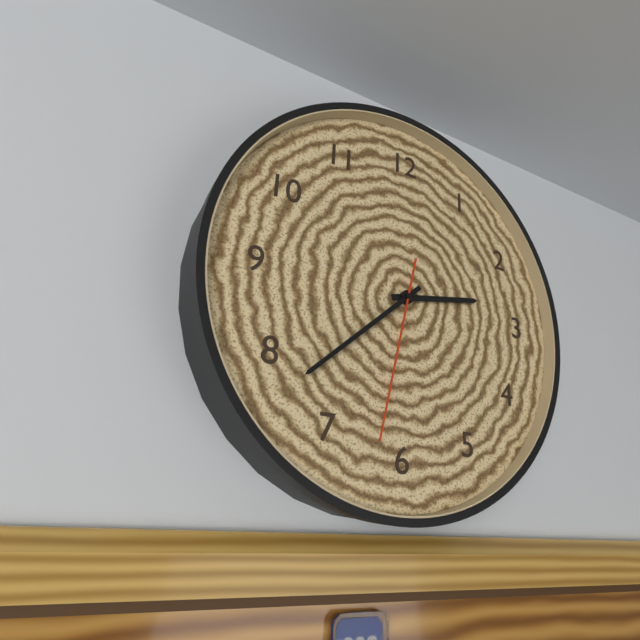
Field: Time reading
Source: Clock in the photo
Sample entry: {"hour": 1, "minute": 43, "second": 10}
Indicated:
{"hour": 2, "minute": 38, "second": 32}
